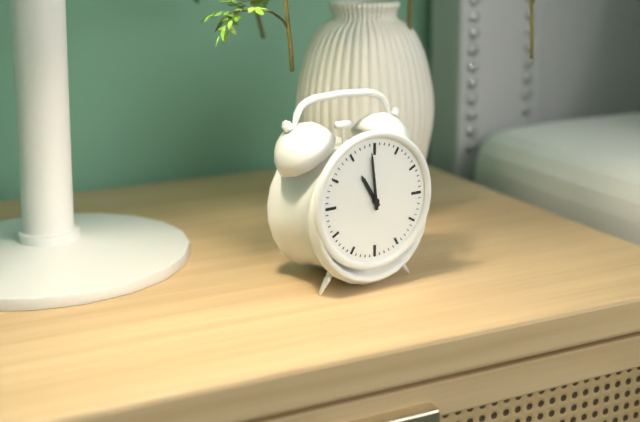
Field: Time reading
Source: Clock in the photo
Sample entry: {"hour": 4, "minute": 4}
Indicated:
{"hour": 10, "minute": 59}
